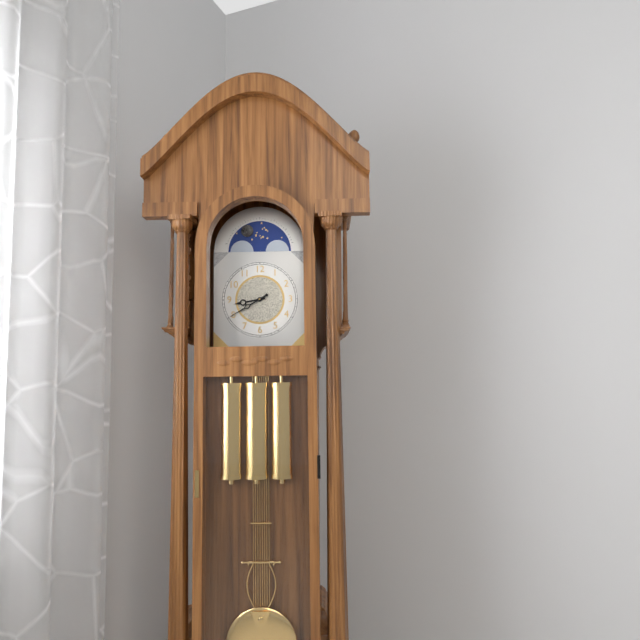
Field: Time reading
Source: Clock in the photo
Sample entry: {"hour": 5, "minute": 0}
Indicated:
{"hour": 8, "minute": 40}
